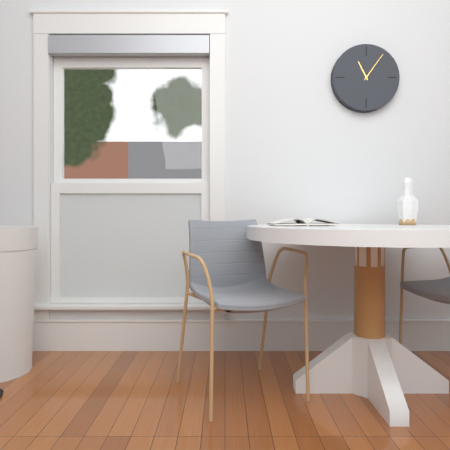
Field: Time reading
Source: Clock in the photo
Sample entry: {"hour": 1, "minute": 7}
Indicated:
{"hour": 11, "minute": 6}
